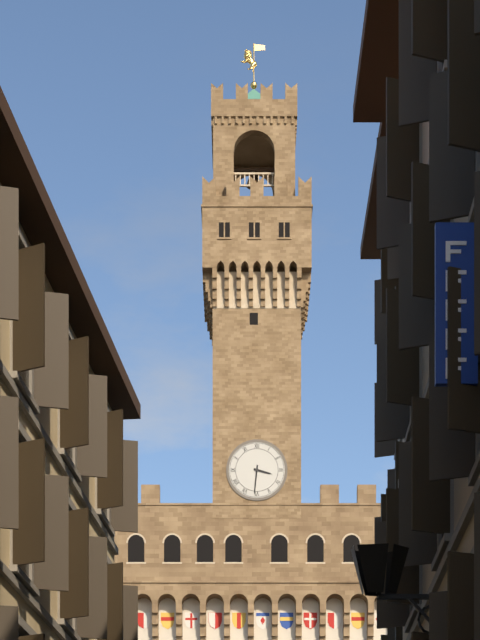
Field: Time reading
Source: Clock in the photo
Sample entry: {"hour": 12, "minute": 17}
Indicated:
{"hour": 3, "minute": 31}
